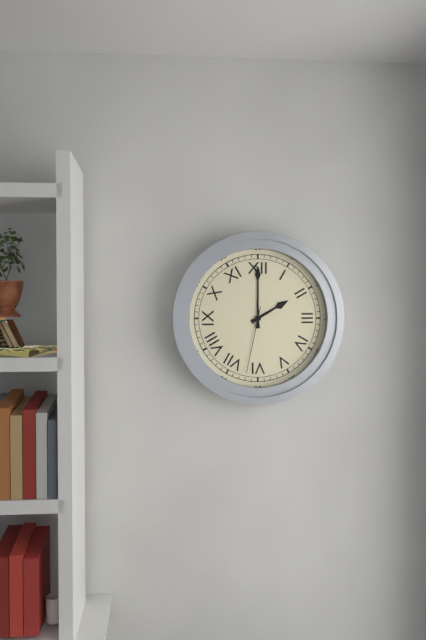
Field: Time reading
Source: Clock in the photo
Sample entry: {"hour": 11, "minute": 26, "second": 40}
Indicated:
{"hour": 2, "minute": 0, "second": 32}
